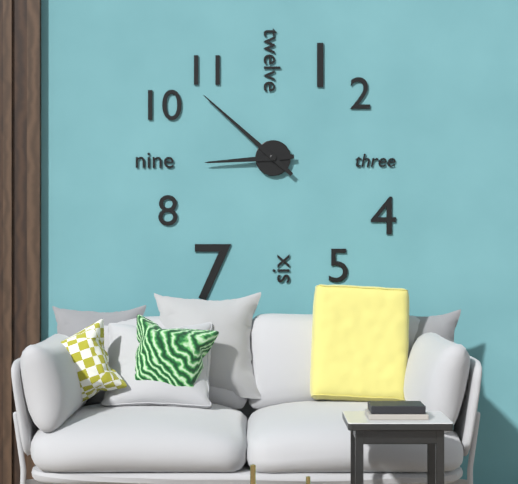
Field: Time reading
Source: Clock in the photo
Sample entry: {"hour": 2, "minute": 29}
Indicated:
{"hour": 8, "minute": 52}
